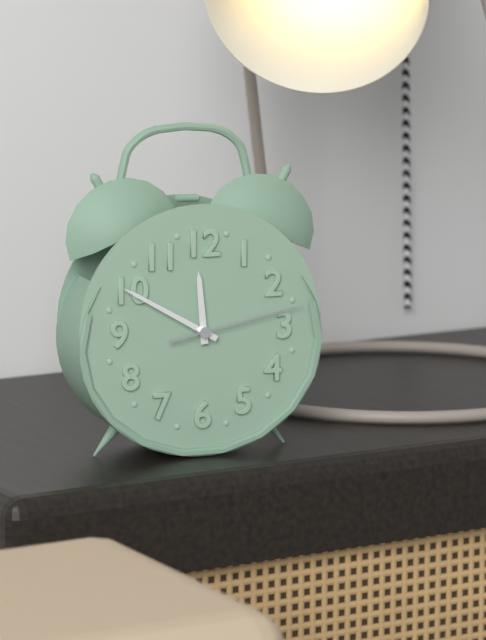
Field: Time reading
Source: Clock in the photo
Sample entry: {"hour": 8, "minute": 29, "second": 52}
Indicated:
{"hour": 11, "minute": 50, "second": 13}
